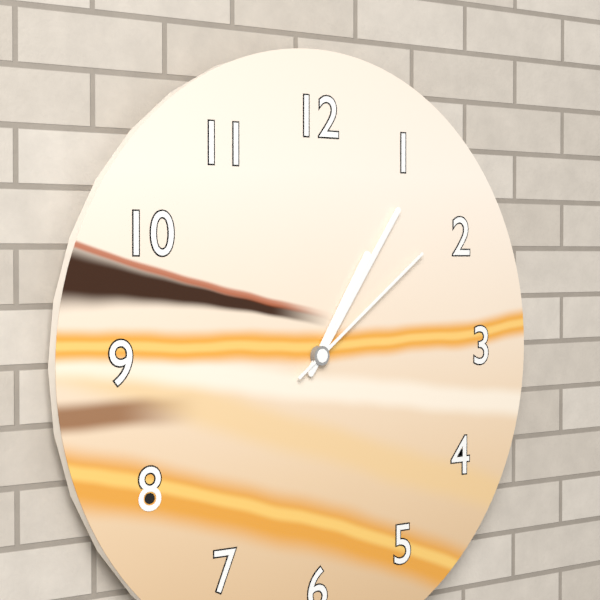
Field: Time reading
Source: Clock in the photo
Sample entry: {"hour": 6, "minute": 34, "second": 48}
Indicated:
{"hour": 1, "minute": 6, "second": 9}
